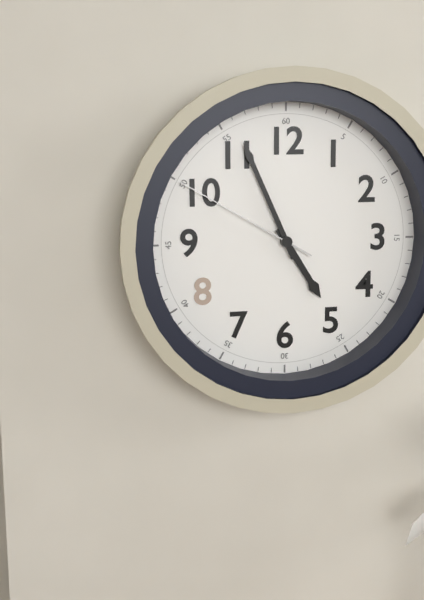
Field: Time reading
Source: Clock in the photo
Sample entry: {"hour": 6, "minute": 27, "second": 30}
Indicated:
{"hour": 4, "minute": 56, "second": 50}
